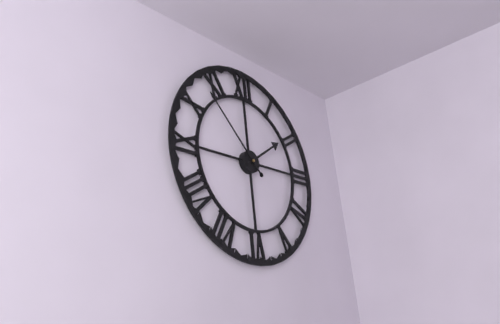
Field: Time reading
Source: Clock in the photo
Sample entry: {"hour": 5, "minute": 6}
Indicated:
{"hour": 1, "minute": 53}
